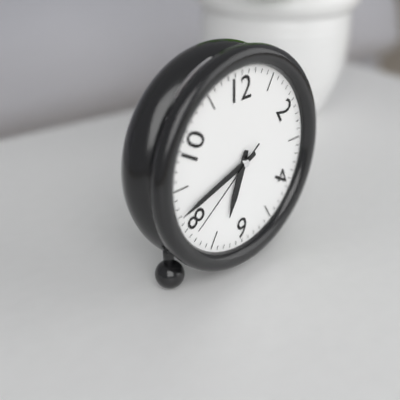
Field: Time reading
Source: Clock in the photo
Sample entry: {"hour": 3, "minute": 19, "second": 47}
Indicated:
{"hour": 6, "minute": 42, "second": 39}
